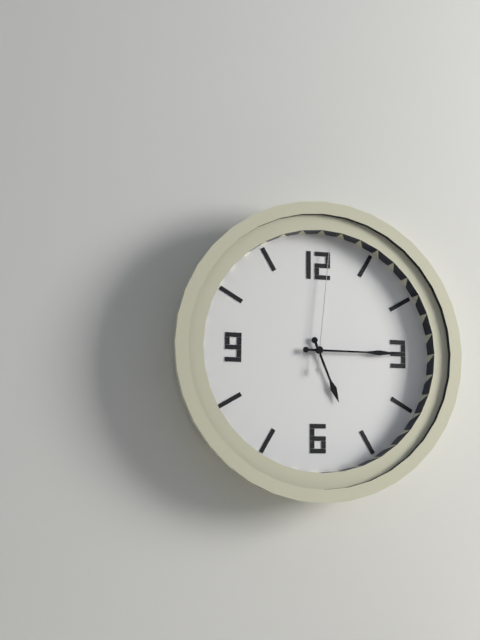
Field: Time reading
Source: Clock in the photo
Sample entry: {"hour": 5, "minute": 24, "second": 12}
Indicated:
{"hour": 5, "minute": 15, "second": 1}
